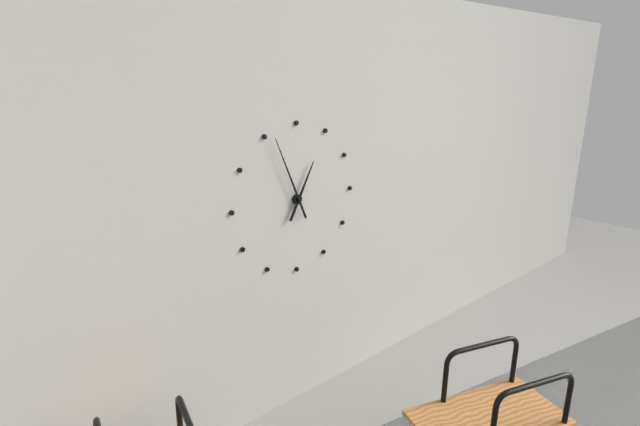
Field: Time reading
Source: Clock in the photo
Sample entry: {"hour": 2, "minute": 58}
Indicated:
{"hour": 12, "minute": 56}
